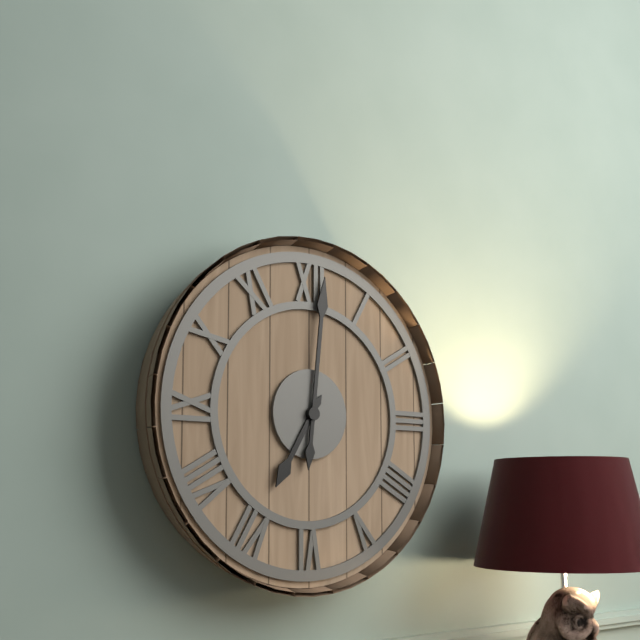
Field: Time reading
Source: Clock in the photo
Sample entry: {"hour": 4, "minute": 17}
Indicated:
{"hour": 7, "minute": 1}
